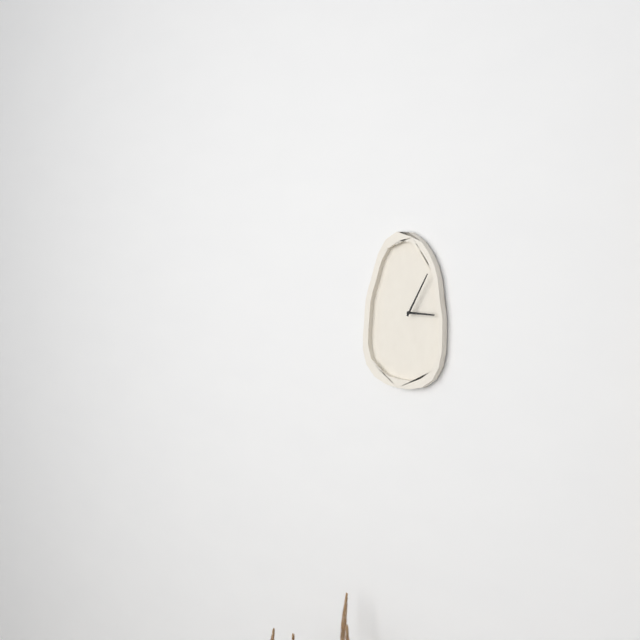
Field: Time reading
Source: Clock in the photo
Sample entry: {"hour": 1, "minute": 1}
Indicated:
{"hour": 3, "minute": 5}
